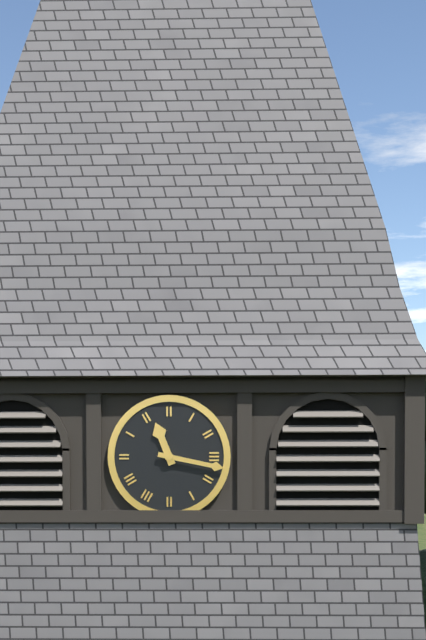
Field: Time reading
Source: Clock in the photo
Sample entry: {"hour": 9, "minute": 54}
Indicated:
{"hour": 11, "minute": 17}
